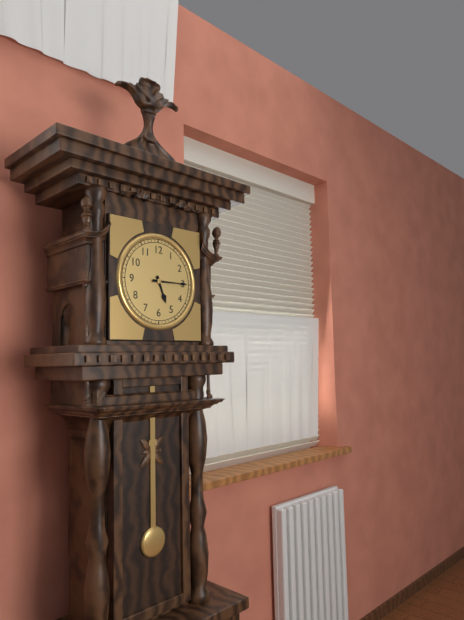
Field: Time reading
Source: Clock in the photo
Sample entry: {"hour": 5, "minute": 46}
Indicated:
{"hour": 5, "minute": 15}
